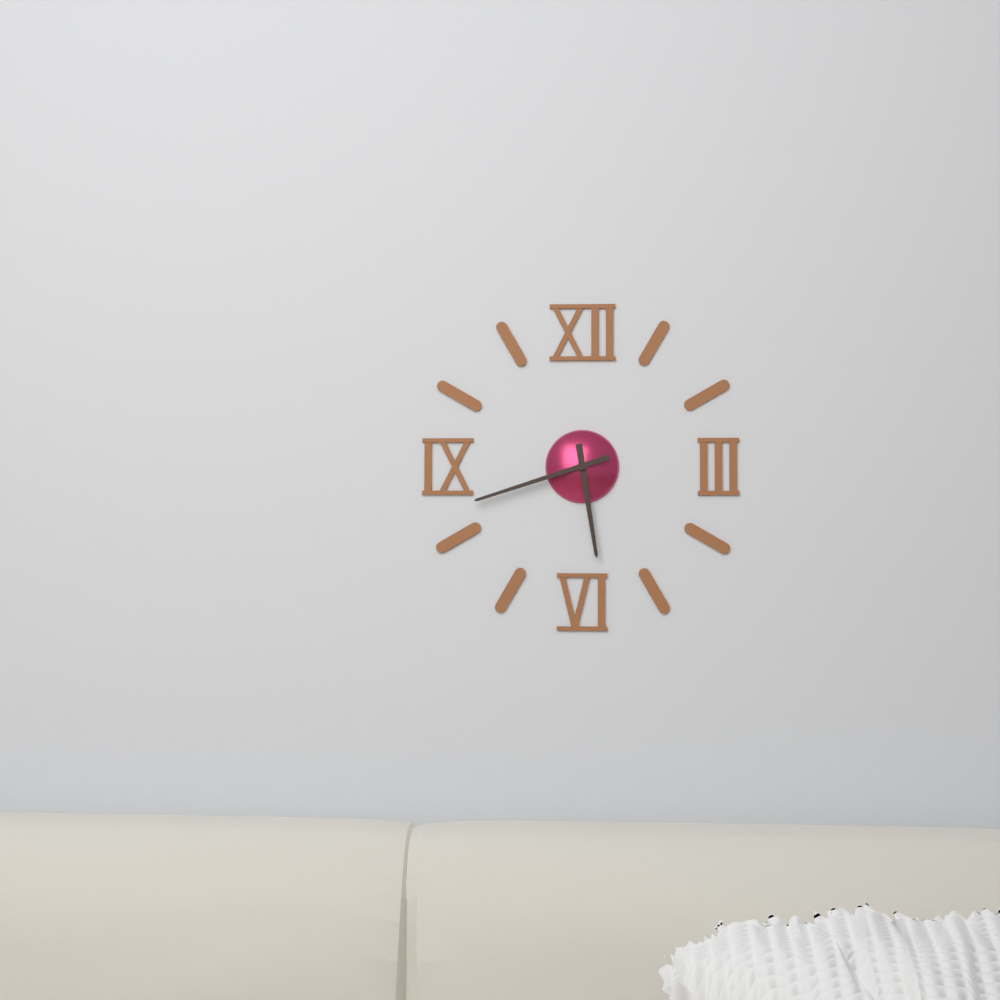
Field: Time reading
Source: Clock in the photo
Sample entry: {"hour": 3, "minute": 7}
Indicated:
{"hour": 5, "minute": 42}
